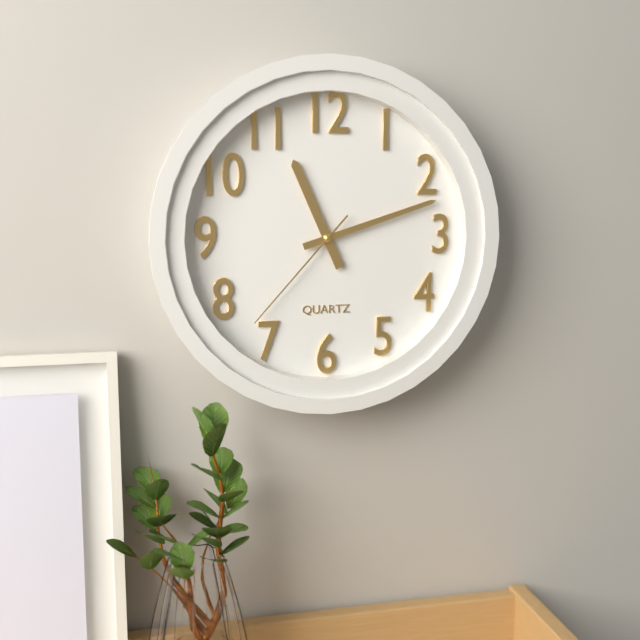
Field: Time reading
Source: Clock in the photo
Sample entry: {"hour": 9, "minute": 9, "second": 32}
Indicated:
{"hour": 11, "minute": 12, "second": 37}
